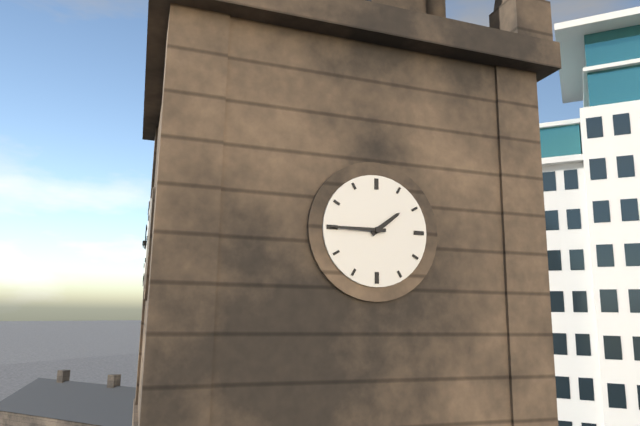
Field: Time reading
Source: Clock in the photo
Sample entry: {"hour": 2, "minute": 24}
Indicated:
{"hour": 1, "minute": 45}
